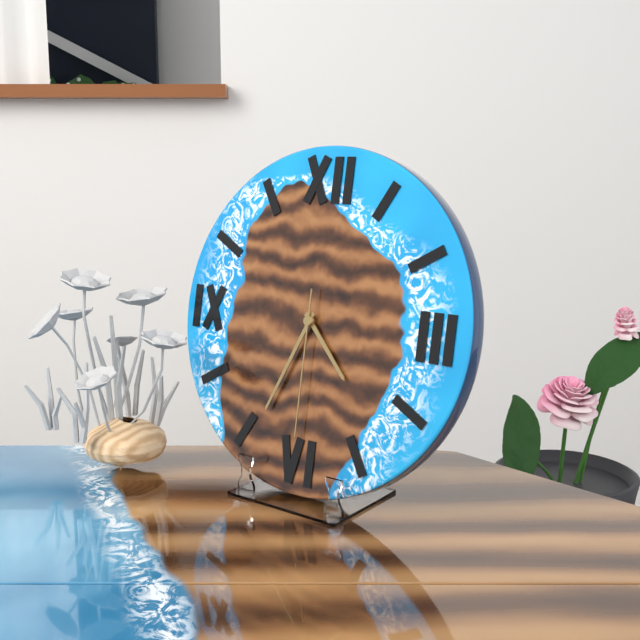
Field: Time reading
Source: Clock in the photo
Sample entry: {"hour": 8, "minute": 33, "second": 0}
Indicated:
{"hour": 4, "minute": 34, "second": 30}
